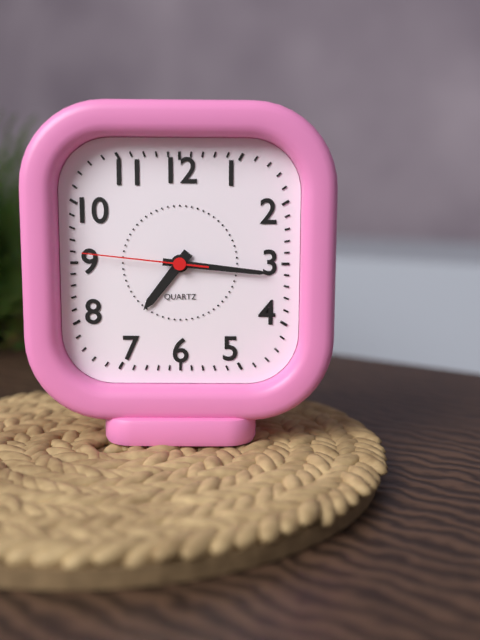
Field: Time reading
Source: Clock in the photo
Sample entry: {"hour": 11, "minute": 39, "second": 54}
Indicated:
{"hour": 7, "minute": 16, "second": 46}
